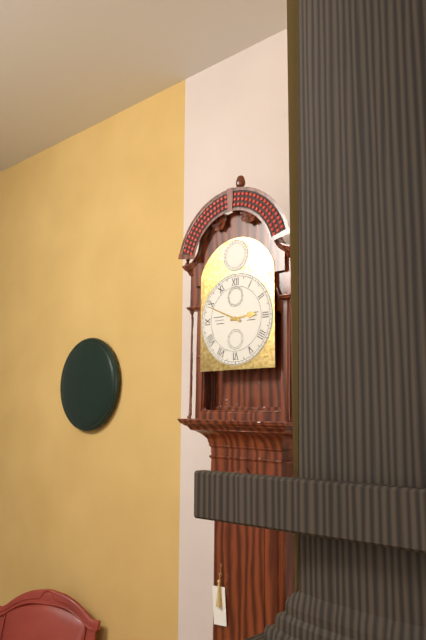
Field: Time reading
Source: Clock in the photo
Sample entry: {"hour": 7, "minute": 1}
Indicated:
{"hour": 2, "minute": 49}
